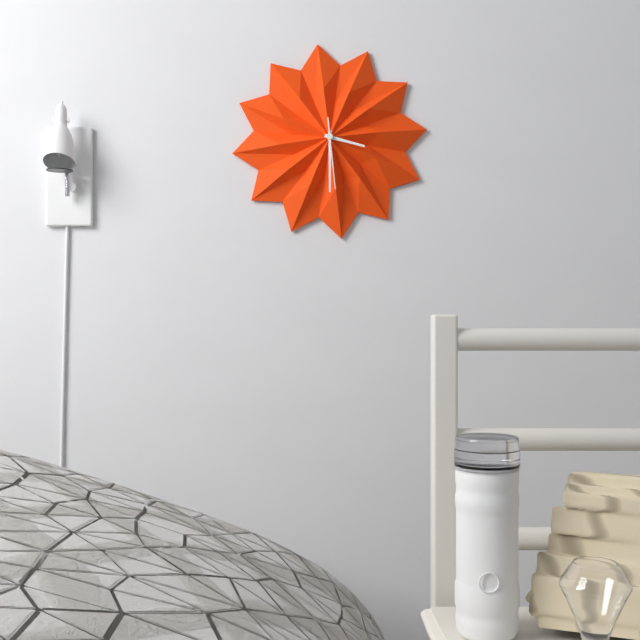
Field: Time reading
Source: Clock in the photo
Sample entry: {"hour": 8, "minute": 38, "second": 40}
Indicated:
{"hour": 3, "minute": 30, "second": 29}
